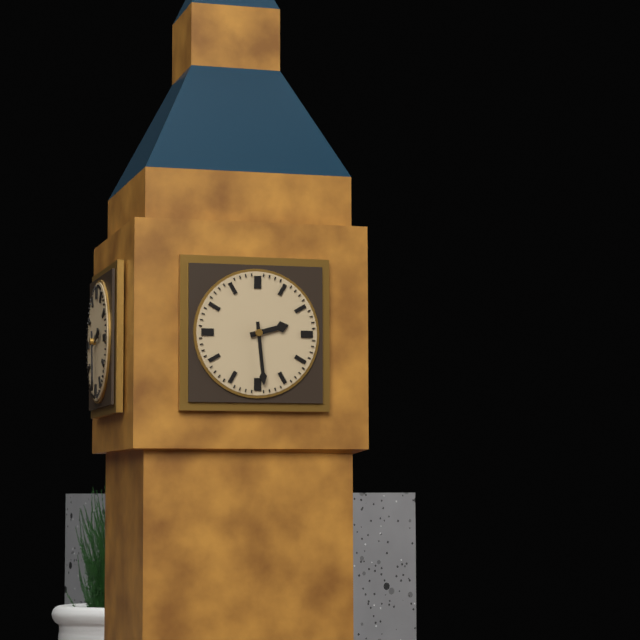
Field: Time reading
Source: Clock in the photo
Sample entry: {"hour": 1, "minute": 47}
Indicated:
{"hour": 2, "minute": 29}
